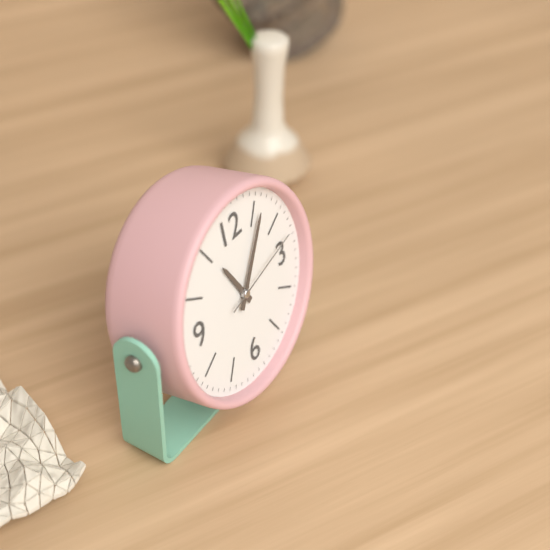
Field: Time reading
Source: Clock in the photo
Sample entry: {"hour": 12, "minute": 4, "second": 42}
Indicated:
{"hour": 11, "minute": 6, "second": 13}
